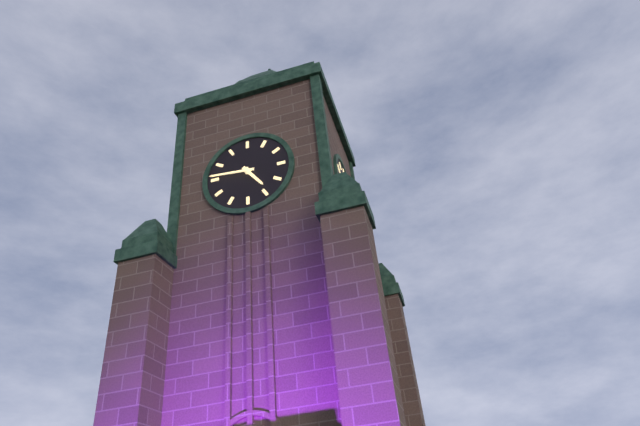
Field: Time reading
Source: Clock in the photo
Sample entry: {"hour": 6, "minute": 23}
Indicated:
{"hour": 4, "minute": 46}
